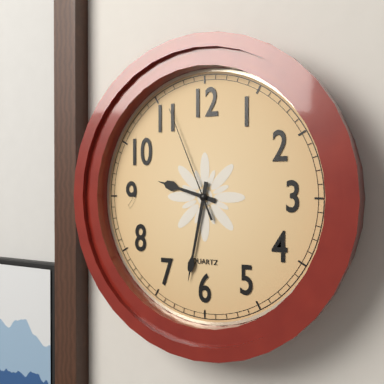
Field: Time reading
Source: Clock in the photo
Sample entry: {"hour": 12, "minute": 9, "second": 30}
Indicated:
{"hour": 9, "minute": 32, "second": 56}
